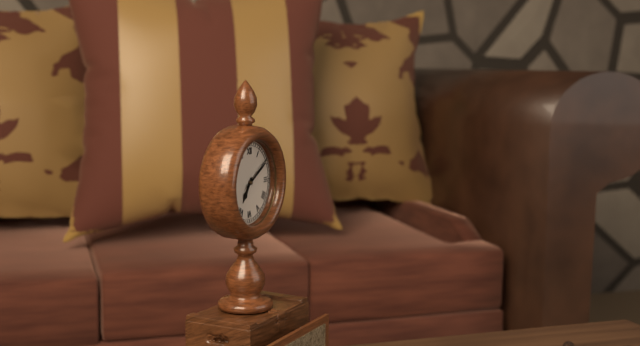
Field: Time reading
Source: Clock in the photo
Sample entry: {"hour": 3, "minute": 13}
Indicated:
{"hour": 7, "minute": 10}
